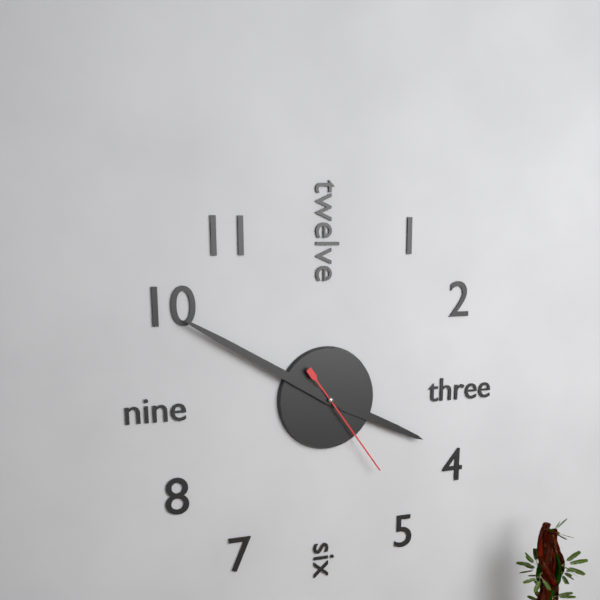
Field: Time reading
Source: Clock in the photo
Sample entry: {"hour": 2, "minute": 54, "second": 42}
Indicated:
{"hour": 3, "minute": 50, "second": 24}
